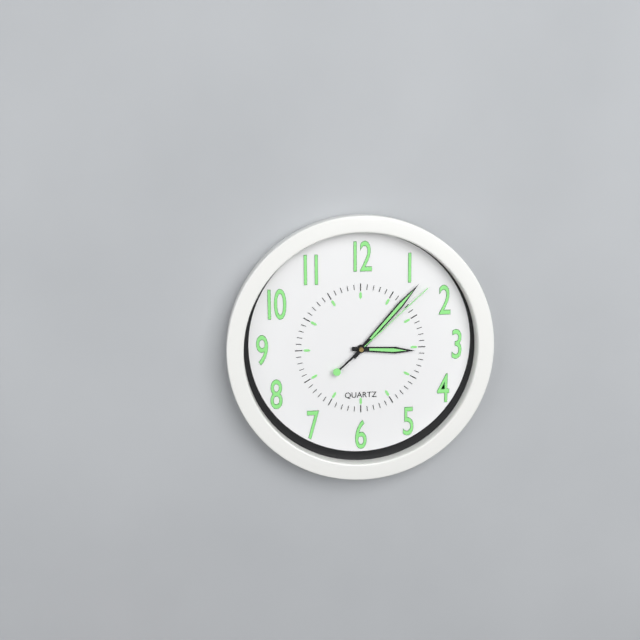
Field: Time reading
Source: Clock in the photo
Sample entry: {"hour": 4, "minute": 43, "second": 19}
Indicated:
{"hour": 3, "minute": 7, "second": 8}
